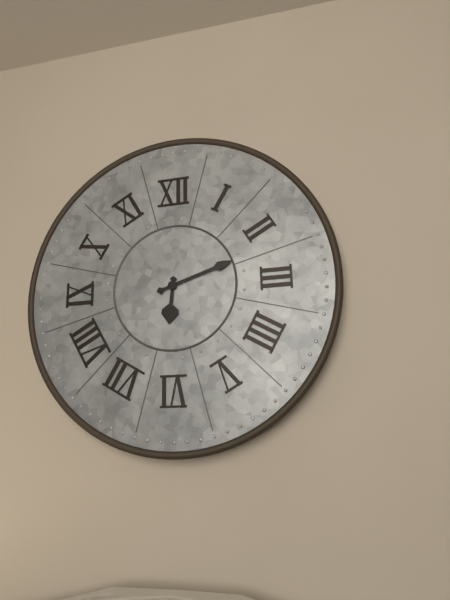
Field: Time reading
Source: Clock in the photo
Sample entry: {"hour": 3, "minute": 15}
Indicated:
{"hour": 6, "minute": 12}
